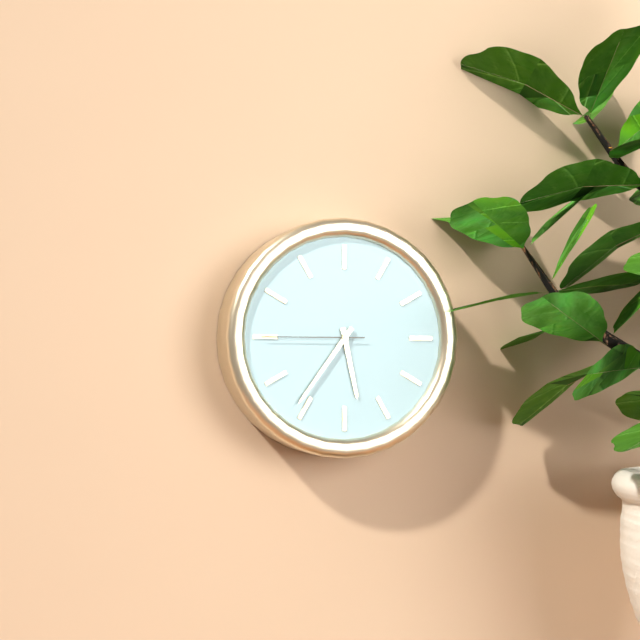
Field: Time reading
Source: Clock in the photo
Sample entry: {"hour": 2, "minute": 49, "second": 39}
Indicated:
{"hour": 5, "minute": 36, "second": 45}
